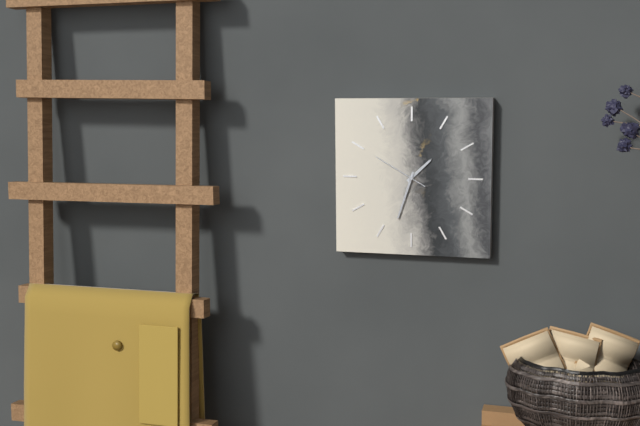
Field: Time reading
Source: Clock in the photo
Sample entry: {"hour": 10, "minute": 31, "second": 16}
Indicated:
{"hour": 1, "minute": 33, "second": 50}
